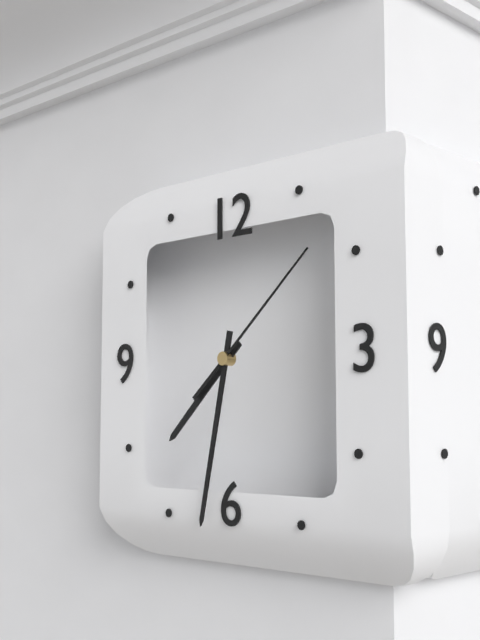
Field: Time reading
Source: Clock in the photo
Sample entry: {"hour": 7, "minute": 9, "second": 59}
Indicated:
{"hour": 7, "minute": 32, "second": 8}
